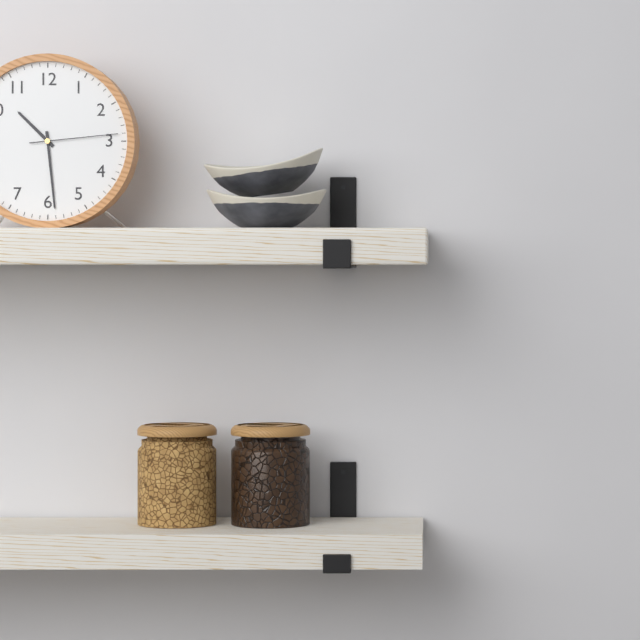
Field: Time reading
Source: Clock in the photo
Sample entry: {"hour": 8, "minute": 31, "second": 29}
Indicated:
{"hour": 10, "minute": 29, "second": 14}
